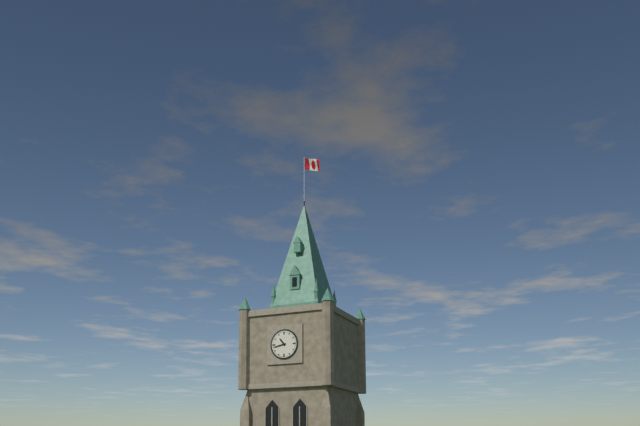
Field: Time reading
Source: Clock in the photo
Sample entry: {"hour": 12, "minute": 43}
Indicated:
{"hour": 10, "minute": 43}
